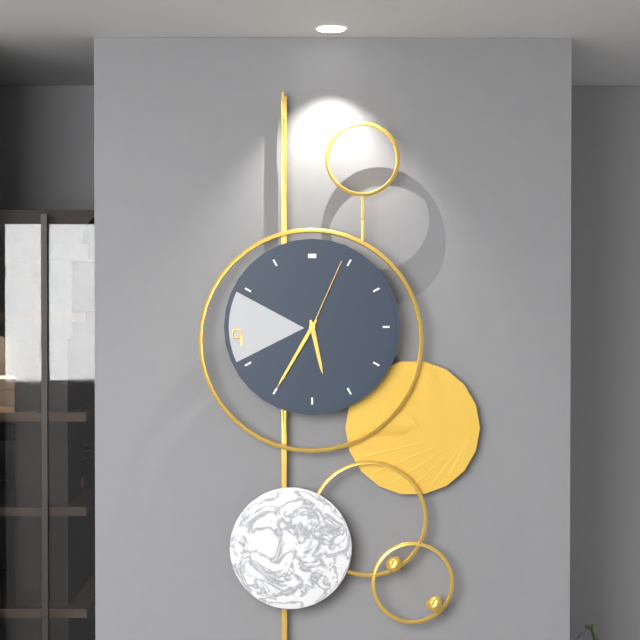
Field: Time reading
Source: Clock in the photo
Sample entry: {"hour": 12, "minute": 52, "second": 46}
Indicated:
{"hour": 5, "minute": 35, "second": 4}
